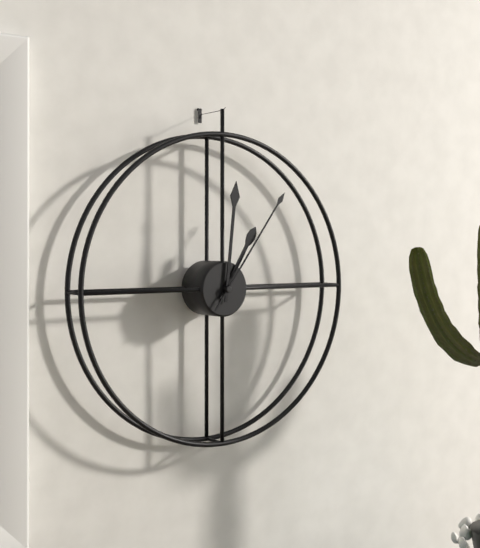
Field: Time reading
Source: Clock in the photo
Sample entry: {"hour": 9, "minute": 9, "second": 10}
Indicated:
{"hour": 1, "minute": 1, "second": 6}
